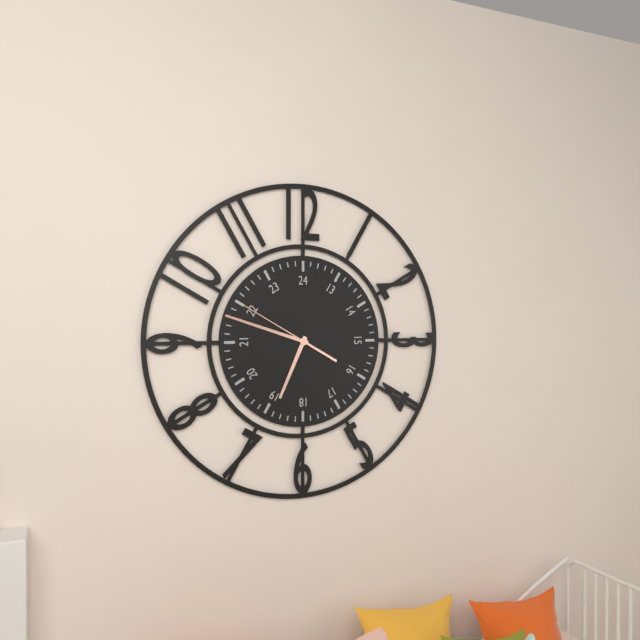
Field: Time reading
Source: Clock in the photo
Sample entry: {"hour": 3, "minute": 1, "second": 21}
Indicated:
{"hour": 6, "minute": 48, "second": 50}
